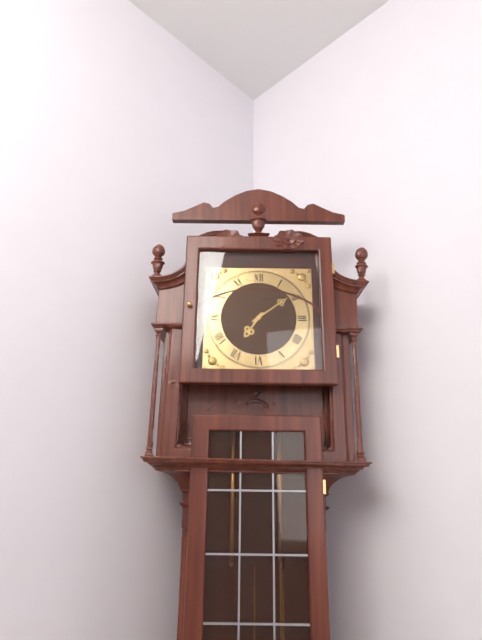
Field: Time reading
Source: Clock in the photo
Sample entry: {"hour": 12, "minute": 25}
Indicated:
{"hour": 7, "minute": 9}
